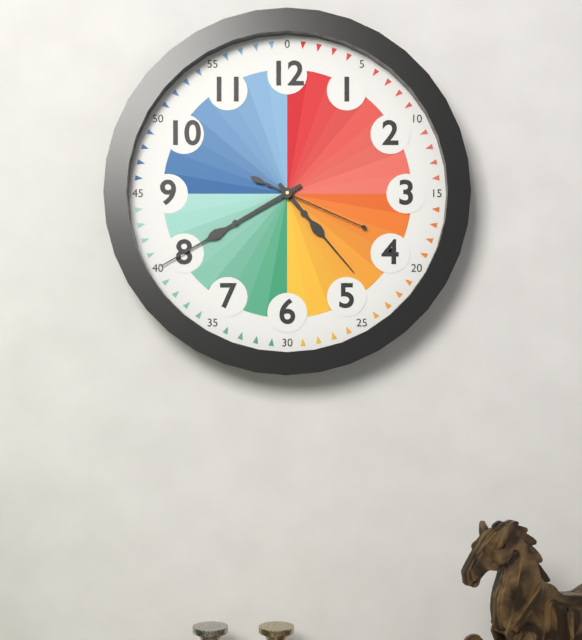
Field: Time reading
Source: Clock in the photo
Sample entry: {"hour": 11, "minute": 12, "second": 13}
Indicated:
{"hour": 4, "minute": 40, "second": 19}
